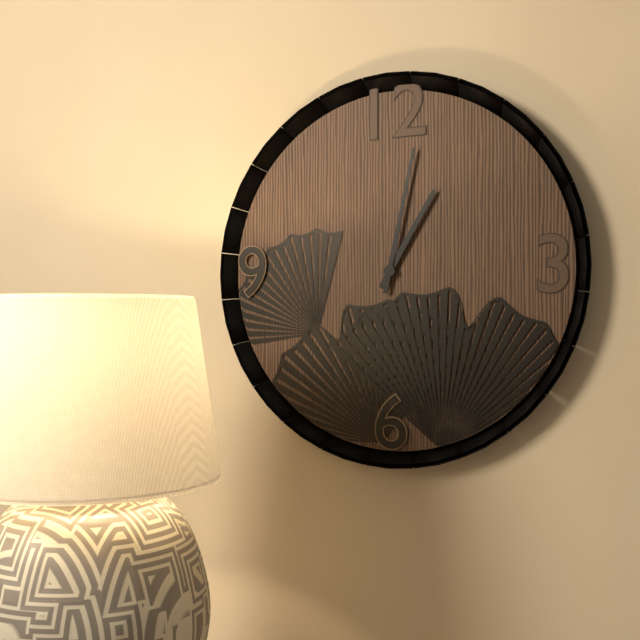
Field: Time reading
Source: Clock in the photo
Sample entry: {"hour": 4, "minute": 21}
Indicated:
{"hour": 1, "minute": 2}
